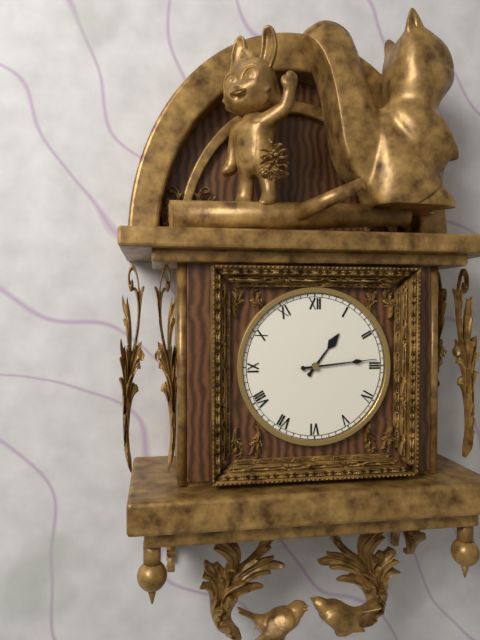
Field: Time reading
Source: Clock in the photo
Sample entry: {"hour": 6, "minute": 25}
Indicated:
{"hour": 1, "minute": 14}
